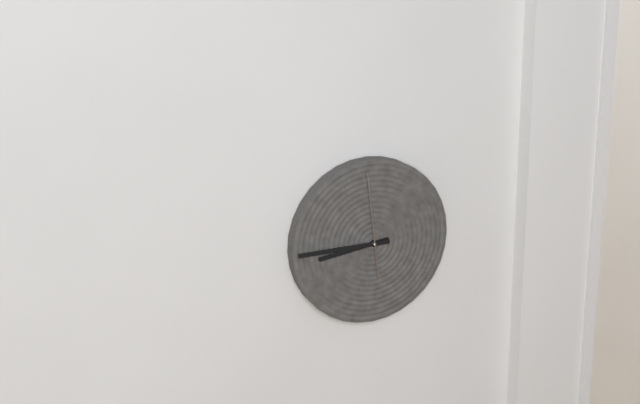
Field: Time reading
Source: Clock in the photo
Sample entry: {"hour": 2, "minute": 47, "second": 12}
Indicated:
{"hour": 8, "minute": 45, "second": 59}
